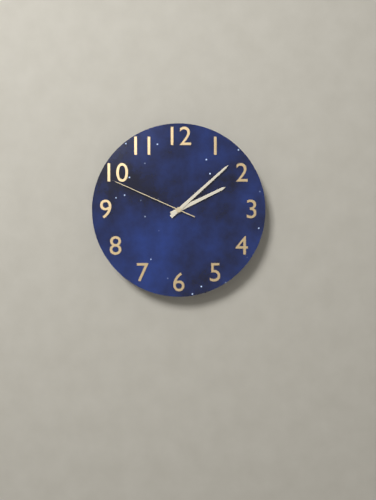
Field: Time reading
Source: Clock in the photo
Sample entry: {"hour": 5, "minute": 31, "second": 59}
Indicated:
{"hour": 2, "minute": 8, "second": 49}
